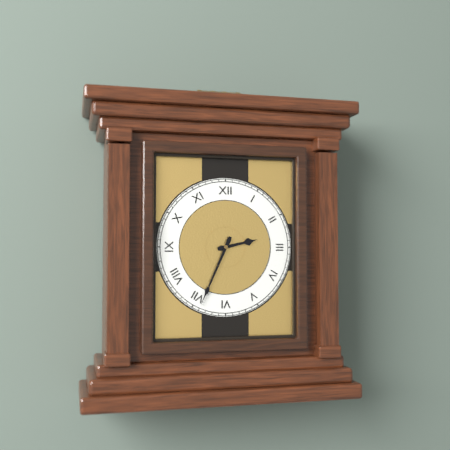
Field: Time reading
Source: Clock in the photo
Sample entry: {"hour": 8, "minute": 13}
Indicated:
{"hour": 2, "minute": 34}
